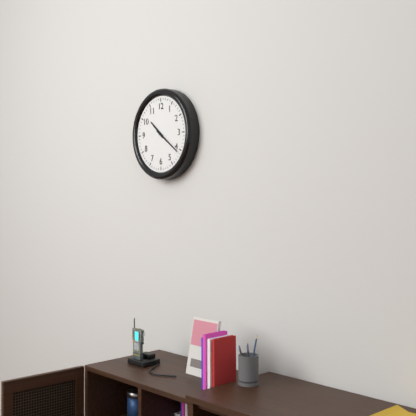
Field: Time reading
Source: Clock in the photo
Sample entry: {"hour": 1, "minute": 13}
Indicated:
{"hour": 10, "minute": 21}
